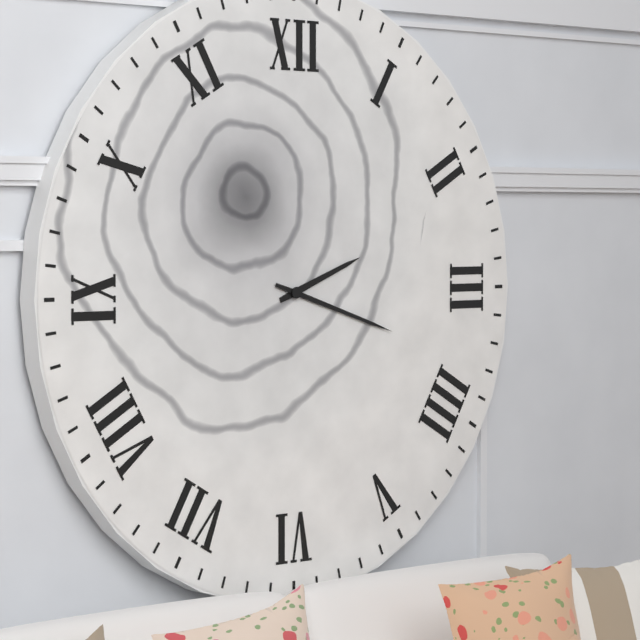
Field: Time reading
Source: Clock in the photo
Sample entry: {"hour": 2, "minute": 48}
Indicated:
{"hour": 2, "minute": 18}
